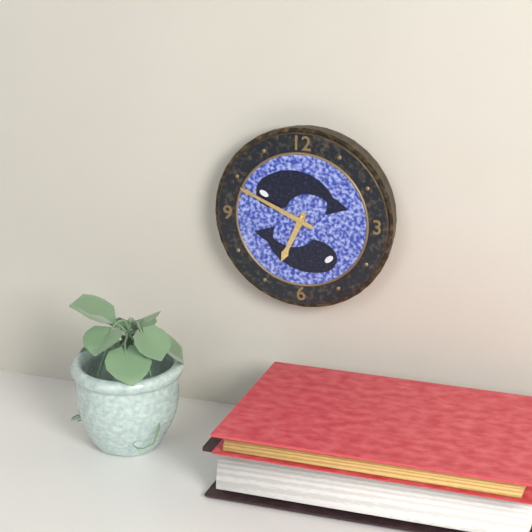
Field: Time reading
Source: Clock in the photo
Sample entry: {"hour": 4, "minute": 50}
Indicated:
{"hour": 6, "minute": 49}
